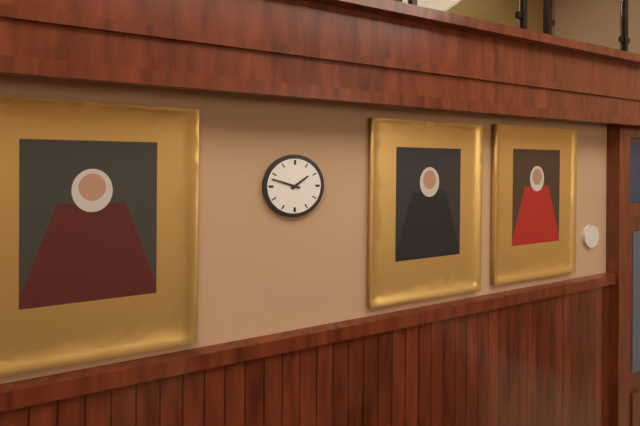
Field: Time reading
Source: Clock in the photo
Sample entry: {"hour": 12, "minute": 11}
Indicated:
{"hour": 1, "minute": 48}
